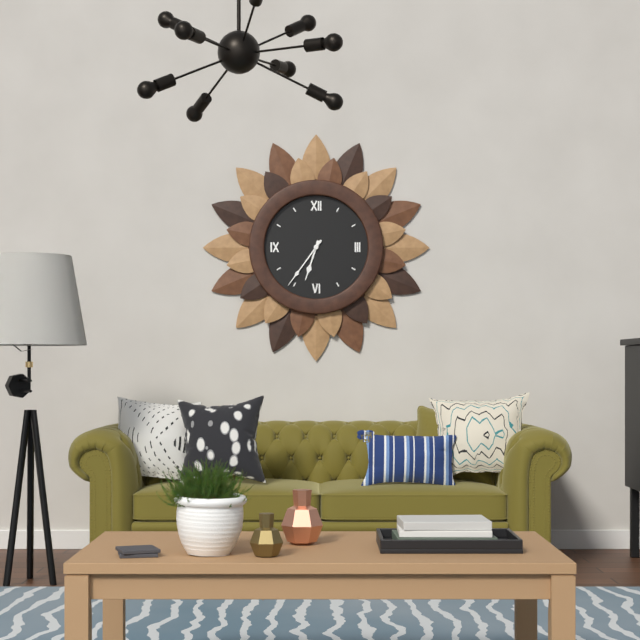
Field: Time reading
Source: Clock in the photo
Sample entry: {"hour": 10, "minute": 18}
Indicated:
{"hour": 6, "minute": 36}
